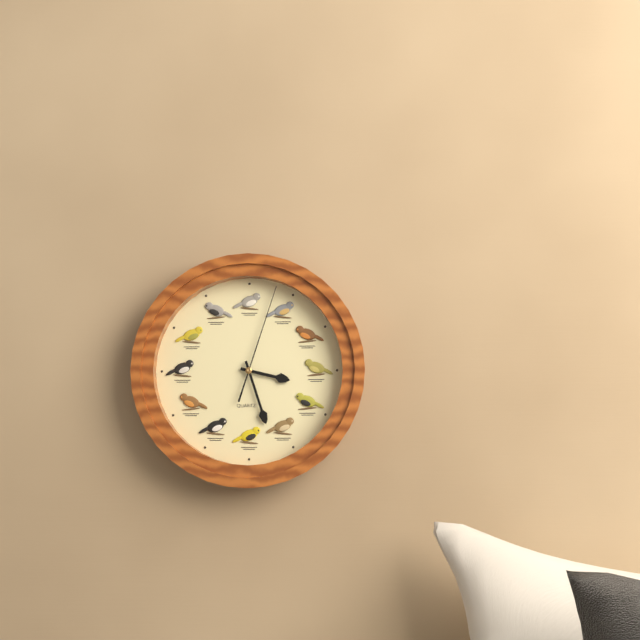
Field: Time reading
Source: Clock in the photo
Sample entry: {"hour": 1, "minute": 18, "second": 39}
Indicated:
{"hour": 3, "minute": 27, "second": 3}
